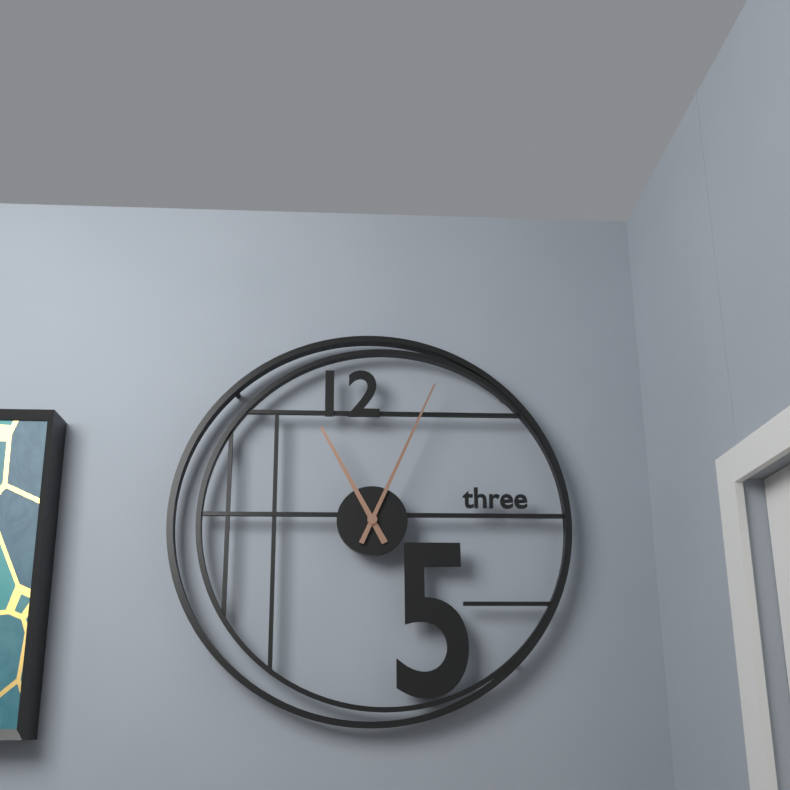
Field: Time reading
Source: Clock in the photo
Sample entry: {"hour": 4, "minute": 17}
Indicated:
{"hour": 11, "minute": 4}
